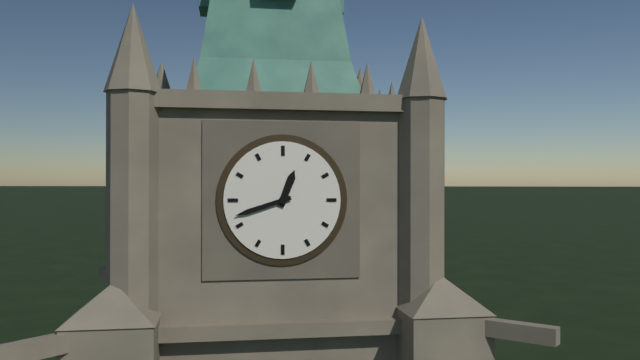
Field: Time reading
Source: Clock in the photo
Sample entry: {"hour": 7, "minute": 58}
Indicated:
{"hour": 12, "minute": 42}
